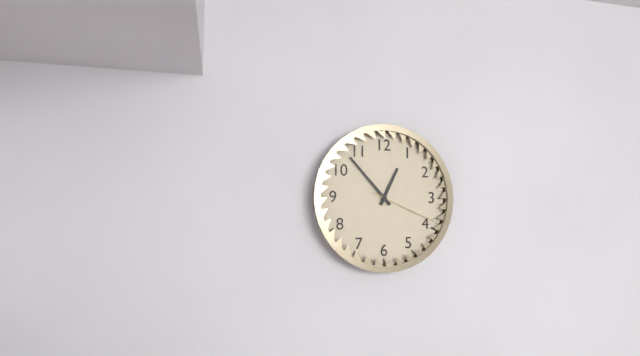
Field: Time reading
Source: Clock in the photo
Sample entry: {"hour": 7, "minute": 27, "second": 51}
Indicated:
{"hour": 12, "minute": 53, "second": 19}
